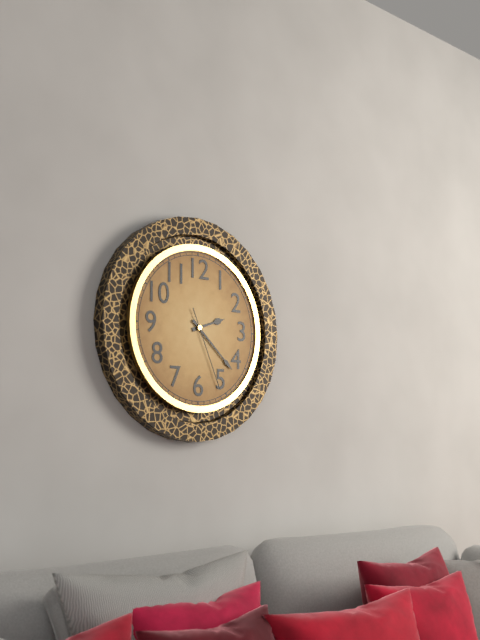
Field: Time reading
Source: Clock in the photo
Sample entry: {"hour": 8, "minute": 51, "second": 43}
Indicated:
{"hour": 2, "minute": 22, "second": 26}
